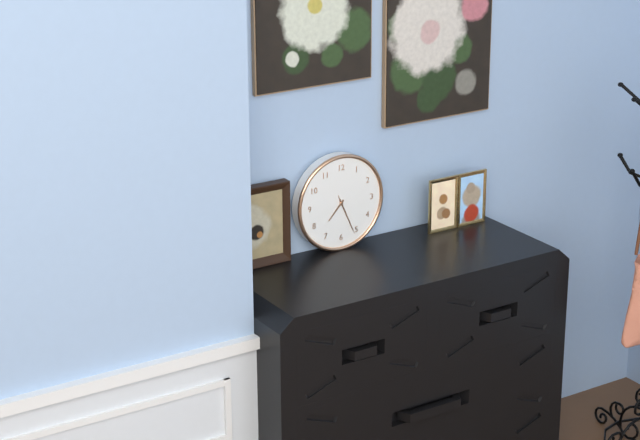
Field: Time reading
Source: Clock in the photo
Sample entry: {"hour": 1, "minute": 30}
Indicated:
{"hour": 7, "minute": 26}
